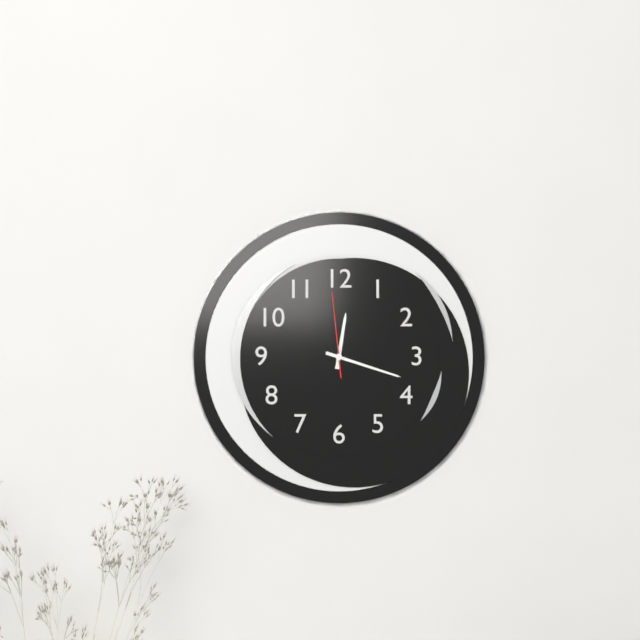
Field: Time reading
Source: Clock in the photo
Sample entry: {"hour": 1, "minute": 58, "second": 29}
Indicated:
{"hour": 12, "minute": 18, "second": 59}
